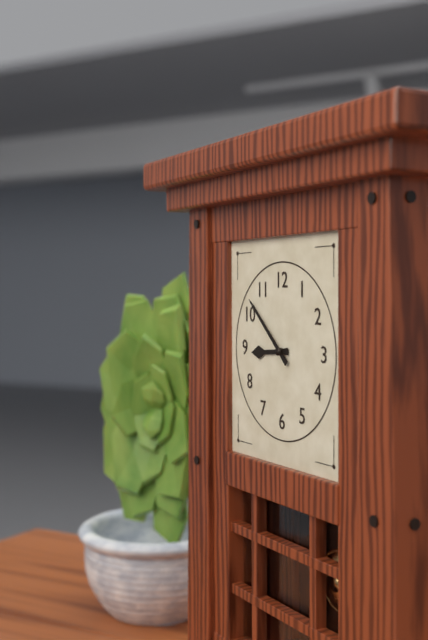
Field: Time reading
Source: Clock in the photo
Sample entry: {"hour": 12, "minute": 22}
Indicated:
{"hour": 8, "minute": 52}
